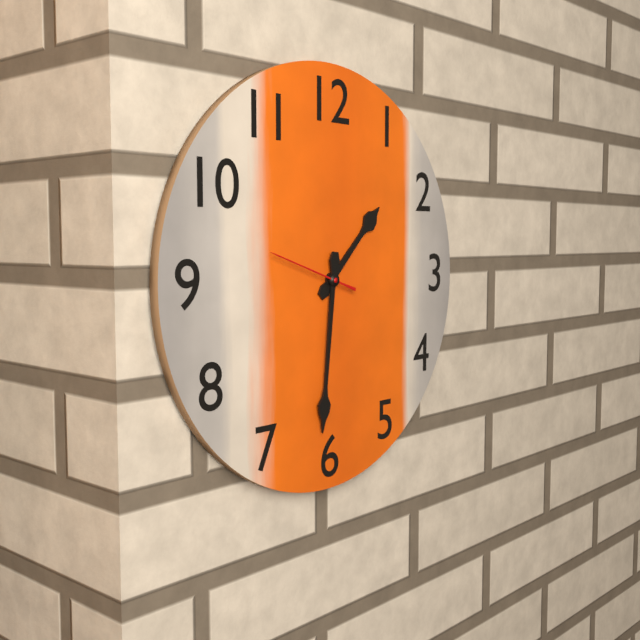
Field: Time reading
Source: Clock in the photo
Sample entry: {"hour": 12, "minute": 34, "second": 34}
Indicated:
{"hour": 1, "minute": 31, "second": 48}
